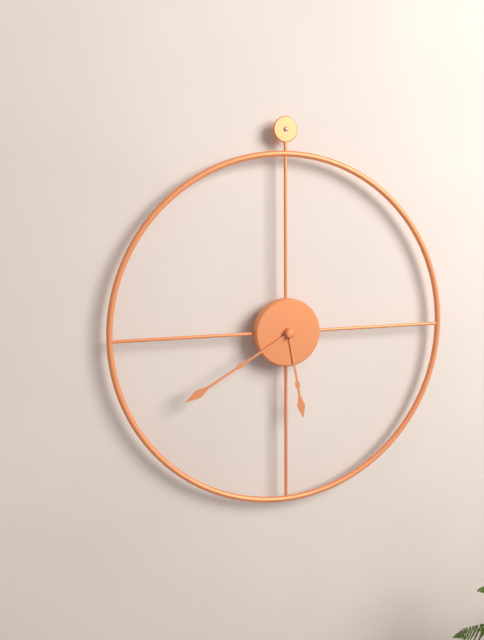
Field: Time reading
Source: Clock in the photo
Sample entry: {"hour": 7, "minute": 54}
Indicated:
{"hour": 5, "minute": 40}
